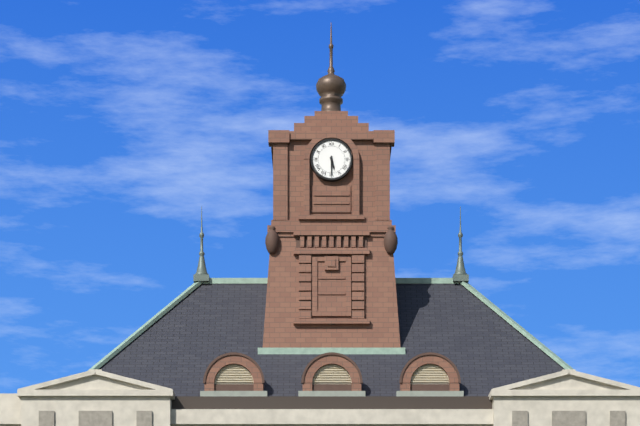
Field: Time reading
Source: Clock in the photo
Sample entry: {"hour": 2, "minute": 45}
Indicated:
{"hour": 5, "minute": 30}
